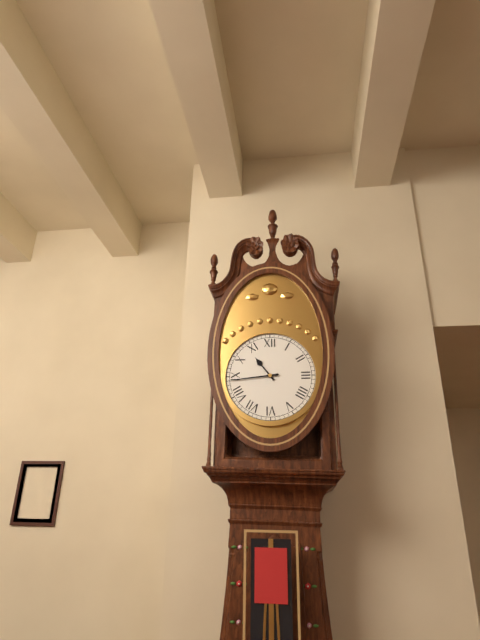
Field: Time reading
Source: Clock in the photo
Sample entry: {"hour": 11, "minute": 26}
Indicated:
{"hour": 10, "minute": 44}
